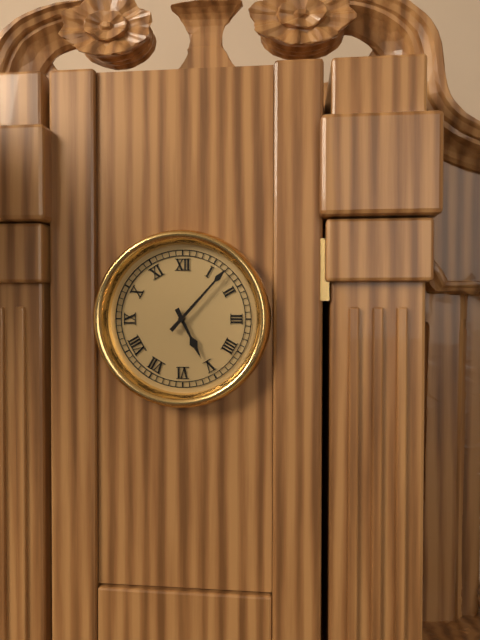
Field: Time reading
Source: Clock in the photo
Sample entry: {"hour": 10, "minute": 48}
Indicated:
{"hour": 5, "minute": 7}
